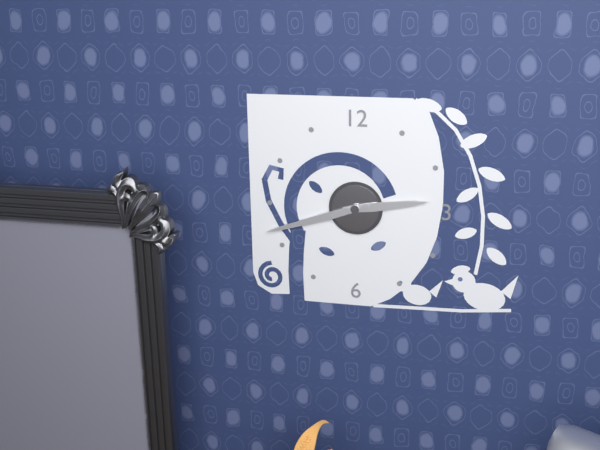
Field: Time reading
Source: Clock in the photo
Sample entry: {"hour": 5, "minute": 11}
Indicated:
{"hour": 2, "minute": 42}
